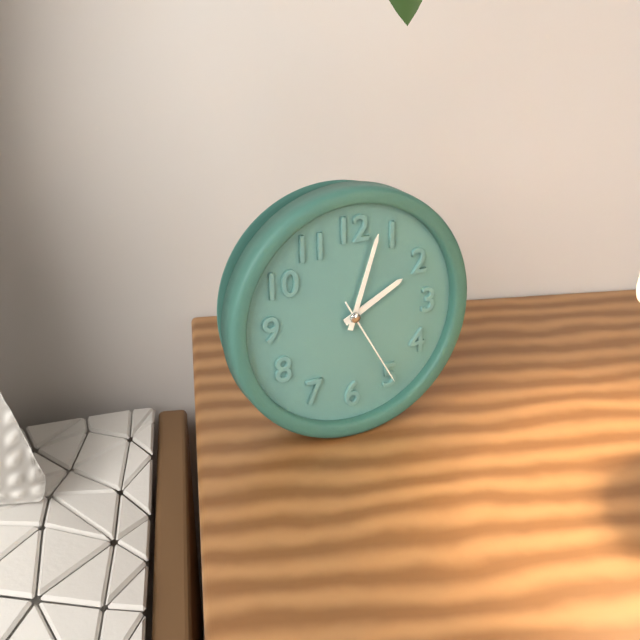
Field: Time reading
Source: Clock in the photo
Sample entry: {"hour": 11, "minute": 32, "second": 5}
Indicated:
{"hour": 2, "minute": 3, "second": 25}
